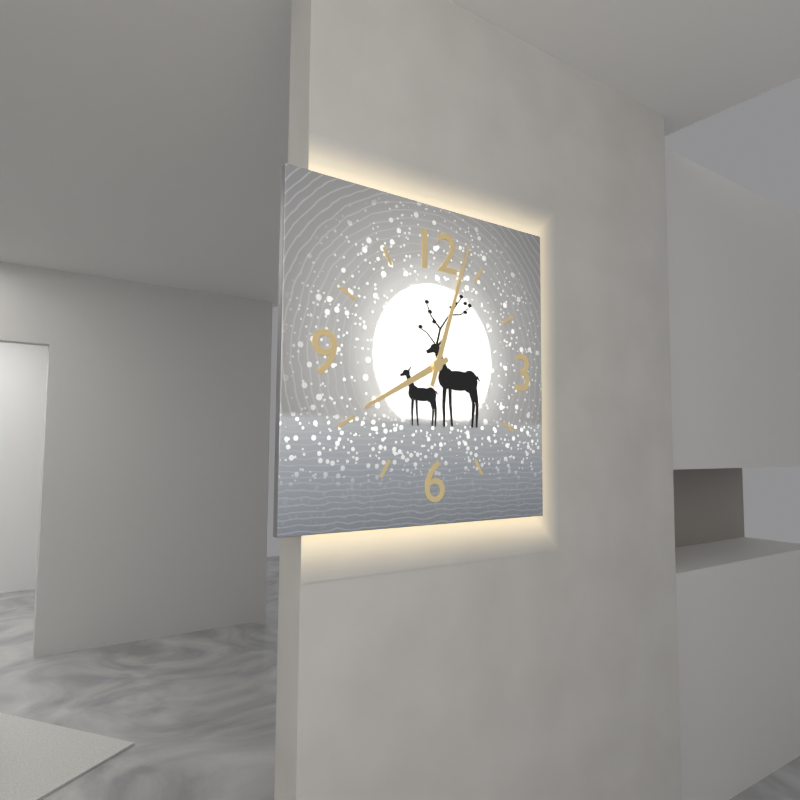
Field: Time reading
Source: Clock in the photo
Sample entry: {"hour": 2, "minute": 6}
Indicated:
{"hour": 8, "minute": 3}
